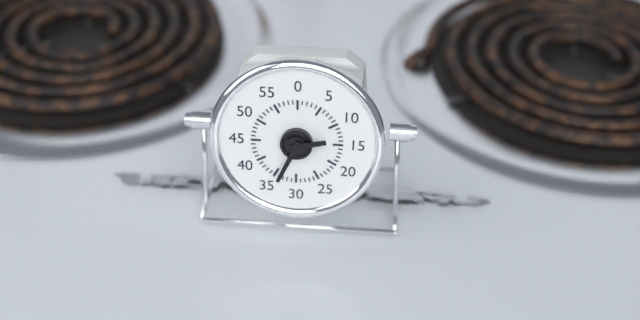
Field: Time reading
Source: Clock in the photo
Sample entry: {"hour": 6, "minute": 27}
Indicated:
{"hour": 2, "minute": 34}
